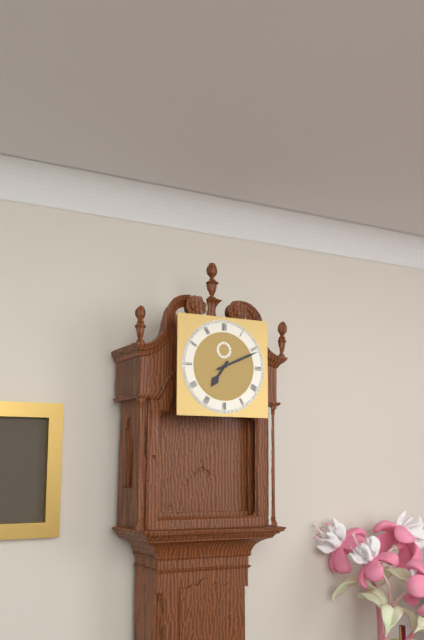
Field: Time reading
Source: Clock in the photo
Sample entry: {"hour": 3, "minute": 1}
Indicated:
{"hour": 7, "minute": 11}
